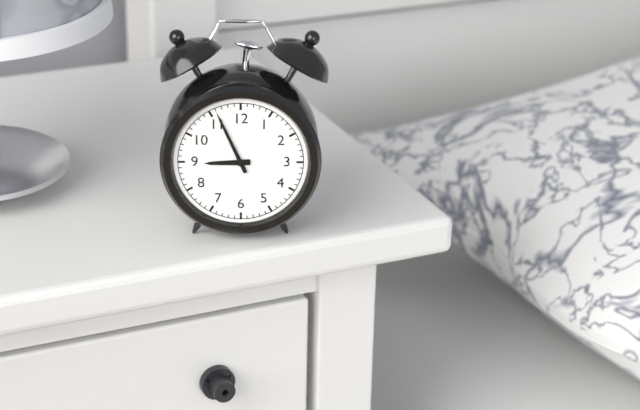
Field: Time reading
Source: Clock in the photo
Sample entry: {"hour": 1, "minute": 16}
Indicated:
{"hour": 8, "minute": 56}
